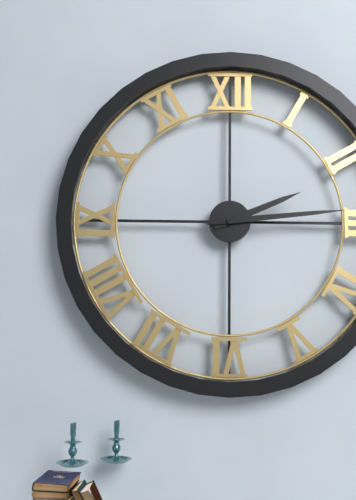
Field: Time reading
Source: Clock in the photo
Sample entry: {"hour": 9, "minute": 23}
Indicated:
{"hour": 2, "minute": 14}
